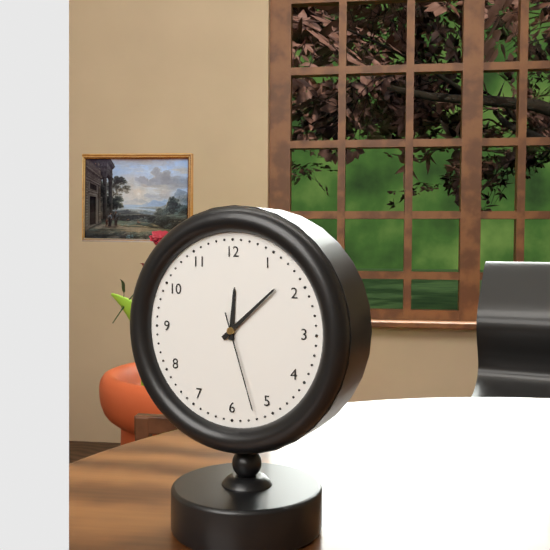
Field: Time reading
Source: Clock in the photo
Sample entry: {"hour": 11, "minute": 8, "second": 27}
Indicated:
{"hour": 12, "minute": 8, "second": 27}
